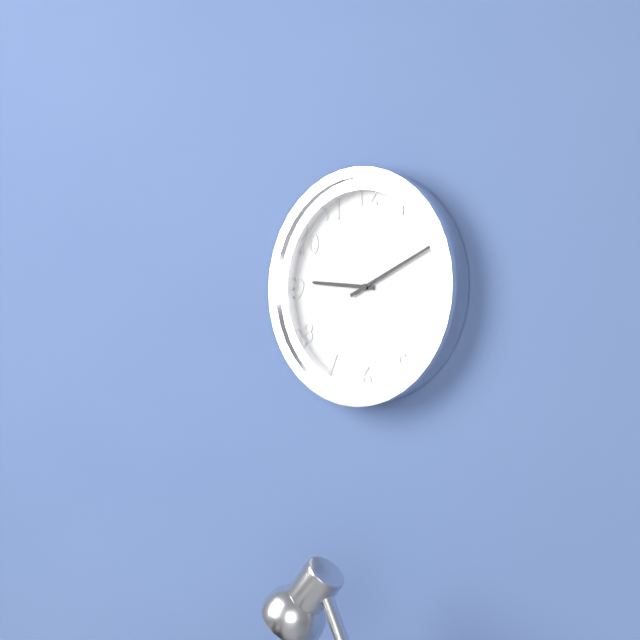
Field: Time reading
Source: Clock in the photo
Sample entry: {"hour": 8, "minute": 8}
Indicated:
{"hour": 9, "minute": 11}
